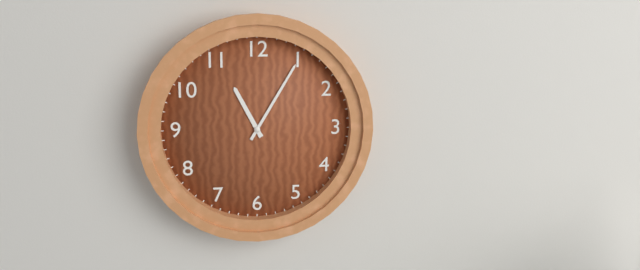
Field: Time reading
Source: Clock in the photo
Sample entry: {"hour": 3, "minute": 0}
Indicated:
{"hour": 11, "minute": 5}
